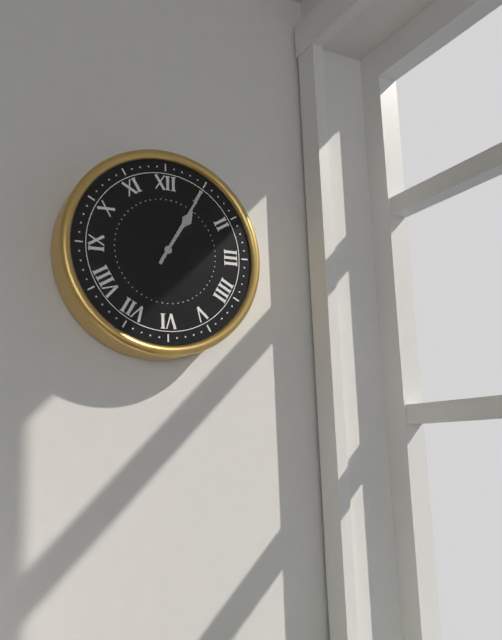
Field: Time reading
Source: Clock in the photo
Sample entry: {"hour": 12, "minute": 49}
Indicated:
{"hour": 1, "minute": 5}
